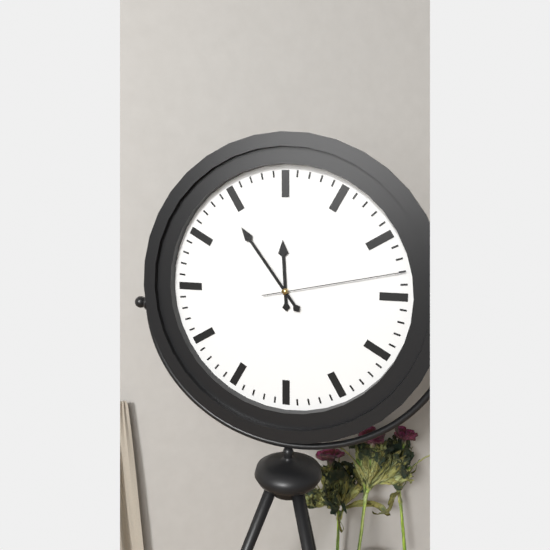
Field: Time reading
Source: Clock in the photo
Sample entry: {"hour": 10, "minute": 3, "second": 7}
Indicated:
{"hour": 11, "minute": 54, "second": 13}
